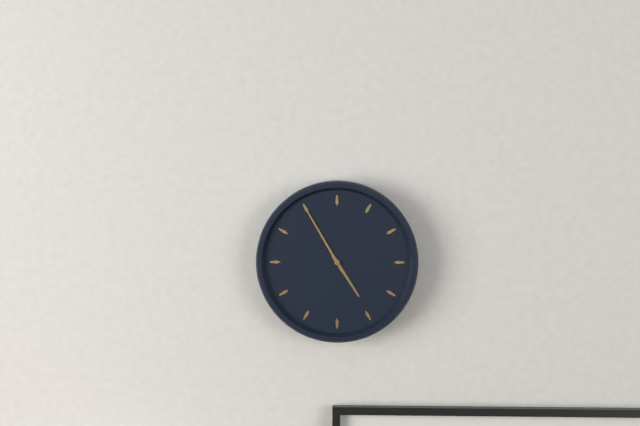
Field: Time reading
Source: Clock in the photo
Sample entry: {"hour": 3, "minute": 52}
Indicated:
{"hour": 4, "minute": 55}
